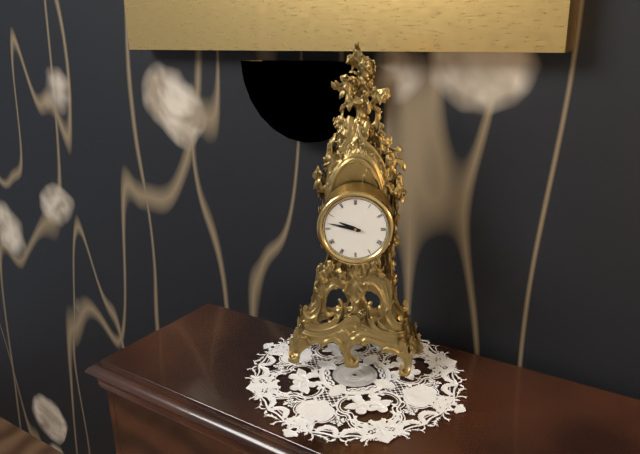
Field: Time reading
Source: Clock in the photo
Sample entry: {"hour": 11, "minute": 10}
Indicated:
{"hour": 9, "minute": 47}
